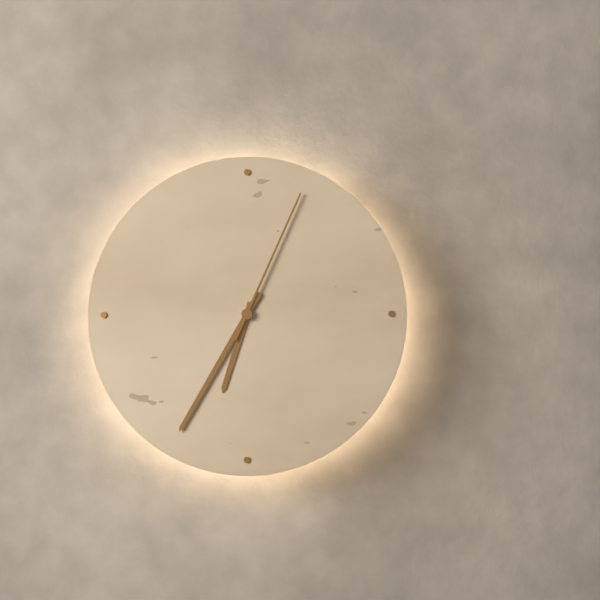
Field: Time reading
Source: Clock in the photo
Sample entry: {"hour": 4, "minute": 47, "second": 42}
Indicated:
{"hour": 6, "minute": 35, "second": 4}
